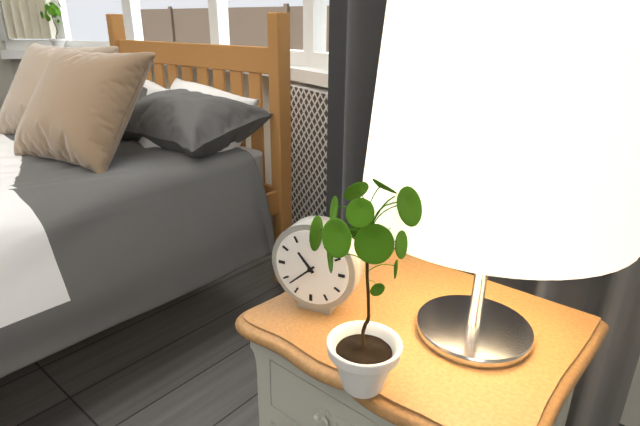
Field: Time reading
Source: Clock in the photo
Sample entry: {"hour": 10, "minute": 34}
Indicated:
{"hour": 10, "minute": 38}
